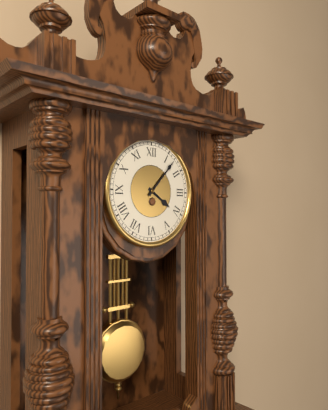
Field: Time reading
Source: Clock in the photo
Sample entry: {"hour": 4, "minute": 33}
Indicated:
{"hour": 4, "minute": 7}
